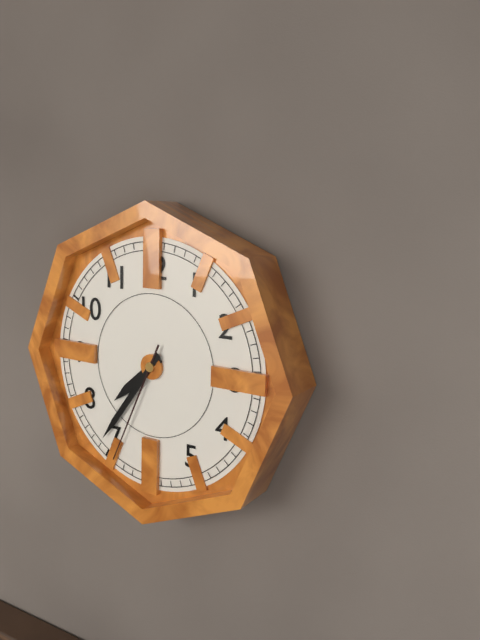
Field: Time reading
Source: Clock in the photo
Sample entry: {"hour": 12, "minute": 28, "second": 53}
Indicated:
{"hour": 7, "minute": 36, "second": 34}
